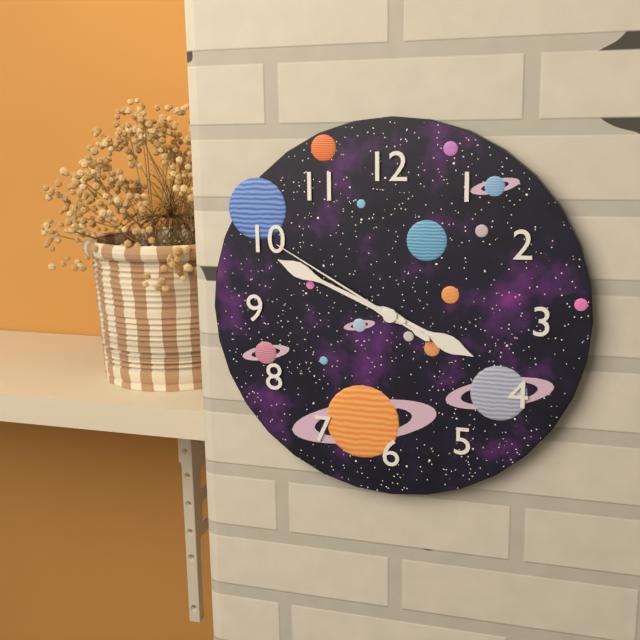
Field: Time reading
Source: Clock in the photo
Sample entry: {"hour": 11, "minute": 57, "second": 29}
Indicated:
{"hour": 3, "minute": 49, "second": 50}
